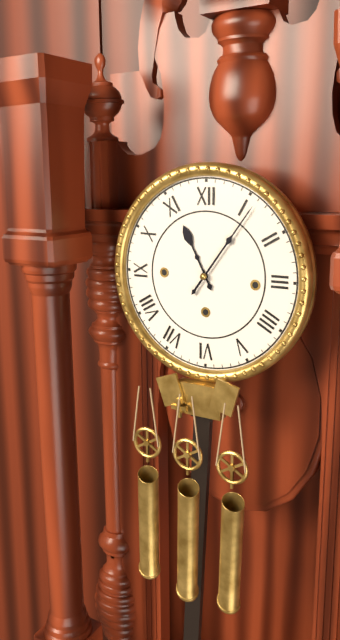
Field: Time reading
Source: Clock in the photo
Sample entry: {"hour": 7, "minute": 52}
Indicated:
{"hour": 11, "minute": 6}
